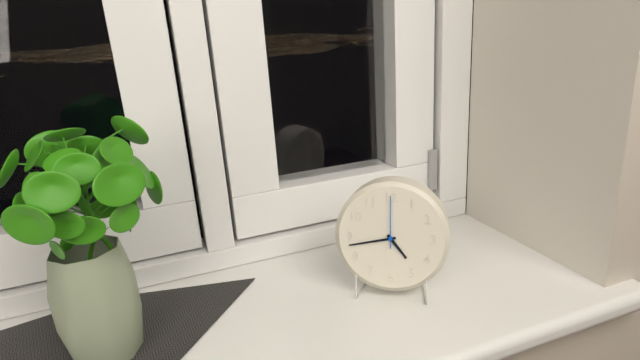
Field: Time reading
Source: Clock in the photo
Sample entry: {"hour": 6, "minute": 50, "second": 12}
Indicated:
{"hour": 4, "minute": 43, "second": 0}
